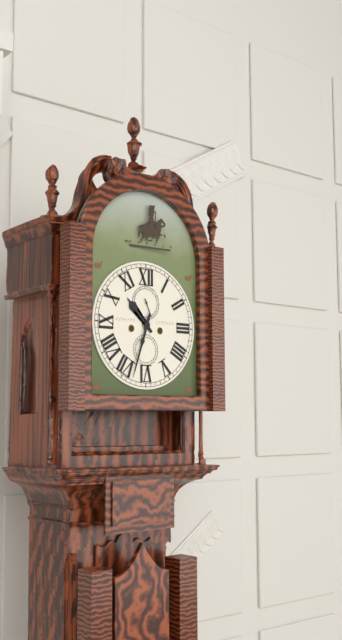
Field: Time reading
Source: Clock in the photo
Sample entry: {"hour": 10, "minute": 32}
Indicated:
{"hour": 10, "minute": 33}
